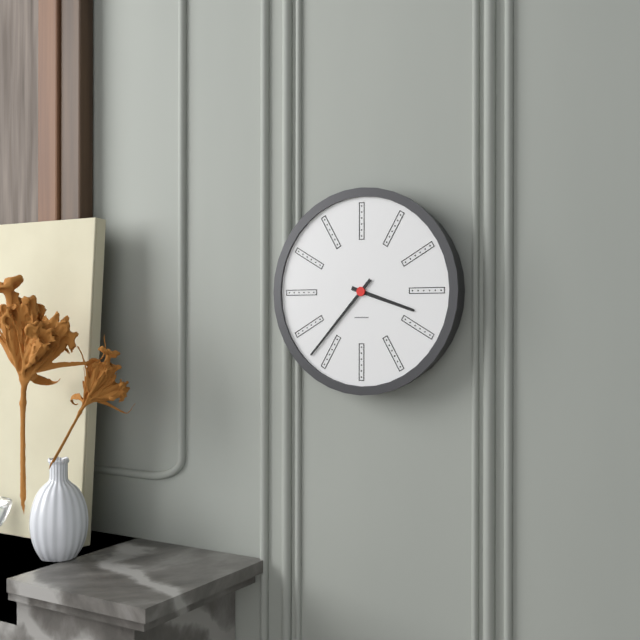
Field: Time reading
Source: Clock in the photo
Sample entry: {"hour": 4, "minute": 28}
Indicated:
{"hour": 3, "minute": 37}
